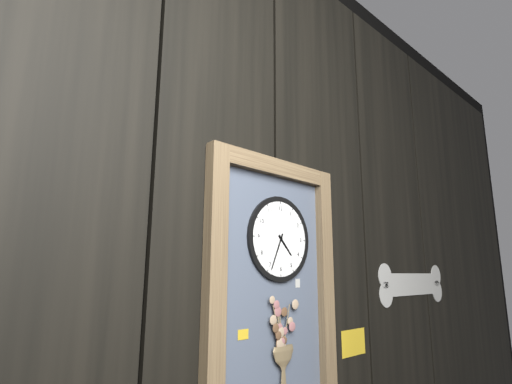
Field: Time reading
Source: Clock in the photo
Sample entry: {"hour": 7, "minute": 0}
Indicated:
{"hour": 4, "minute": 34}
